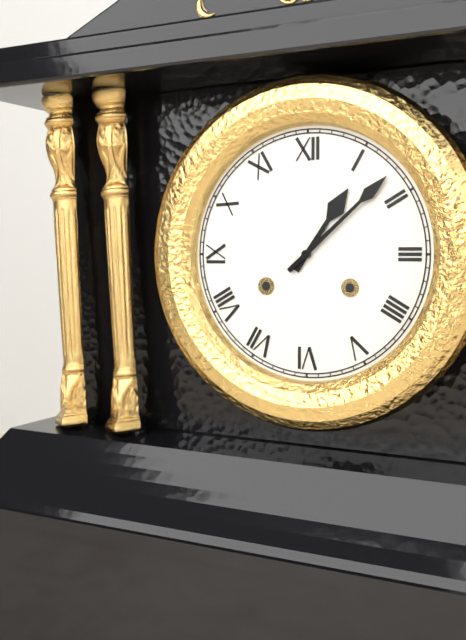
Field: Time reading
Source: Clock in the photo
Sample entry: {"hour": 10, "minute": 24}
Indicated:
{"hour": 1, "minute": 8}
